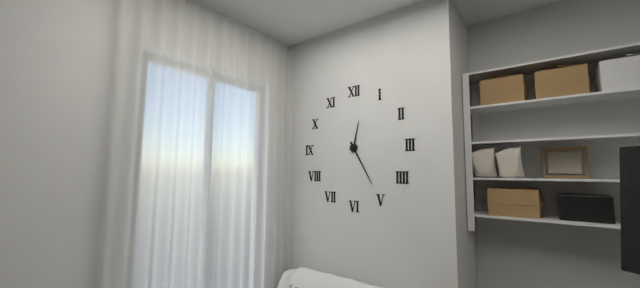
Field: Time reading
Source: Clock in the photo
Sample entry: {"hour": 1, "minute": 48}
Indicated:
{"hour": 12, "minute": 25}
